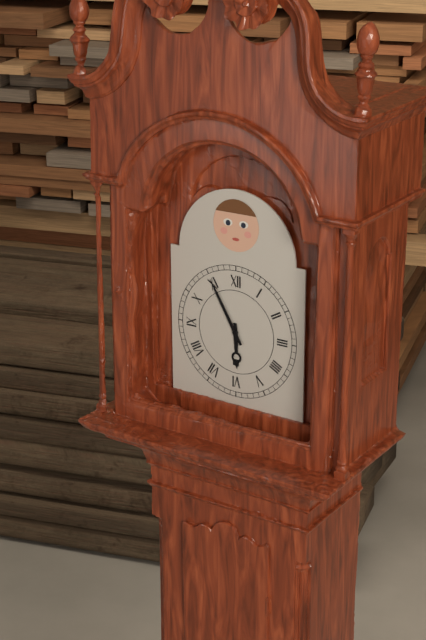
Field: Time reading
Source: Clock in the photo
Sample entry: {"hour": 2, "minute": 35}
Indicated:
{"hour": 5, "minute": 55}
